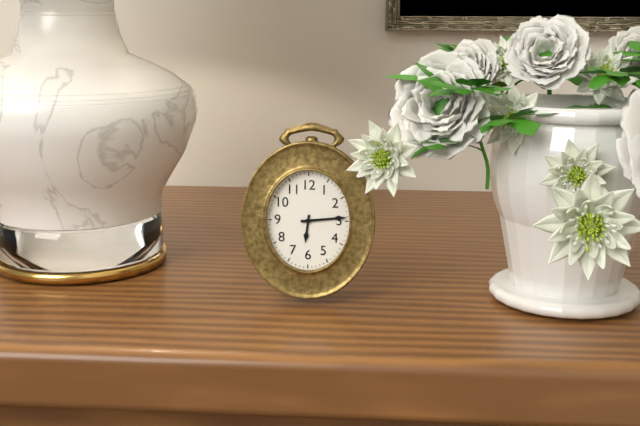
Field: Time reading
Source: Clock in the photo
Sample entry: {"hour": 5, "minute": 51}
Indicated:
{"hour": 6, "minute": 14}
